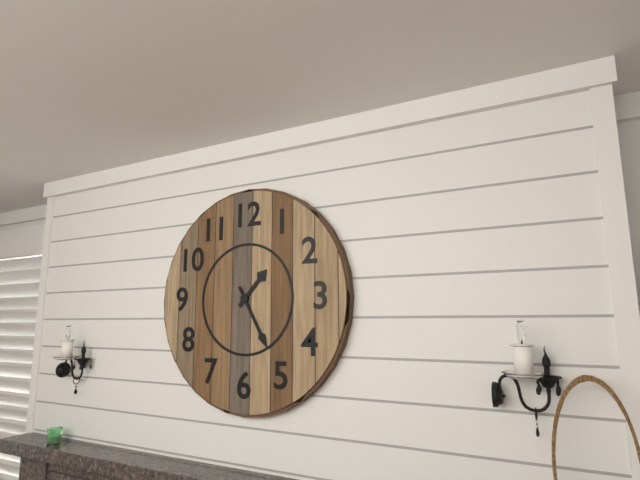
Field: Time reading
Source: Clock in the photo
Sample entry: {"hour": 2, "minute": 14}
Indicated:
{"hour": 1, "minute": 25}
